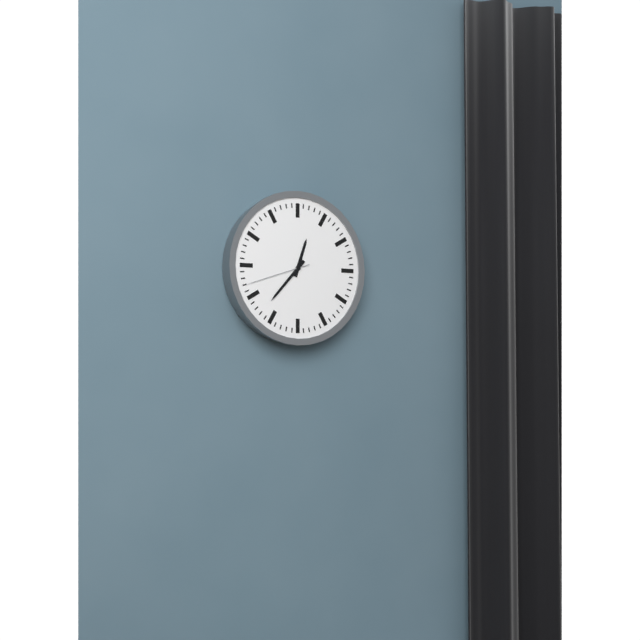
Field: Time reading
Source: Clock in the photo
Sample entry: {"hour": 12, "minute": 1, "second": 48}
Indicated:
{"hour": 12, "minute": 37, "second": 42}
